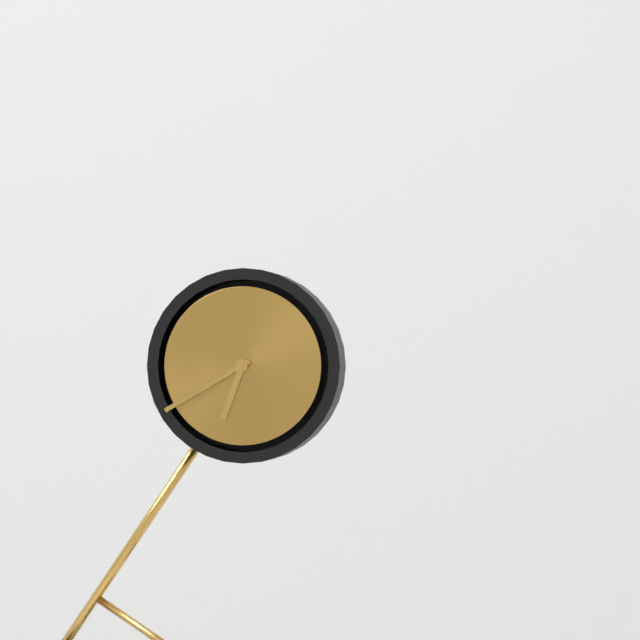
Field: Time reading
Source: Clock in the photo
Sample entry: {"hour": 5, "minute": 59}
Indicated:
{"hour": 6, "minute": 40}
